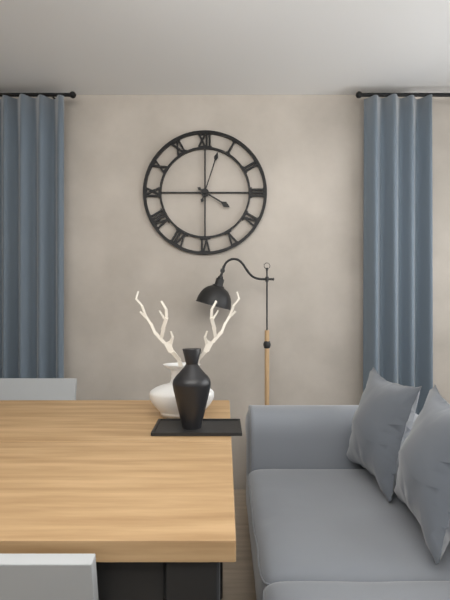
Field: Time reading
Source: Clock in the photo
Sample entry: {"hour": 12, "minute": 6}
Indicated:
{"hour": 4, "minute": 3}
